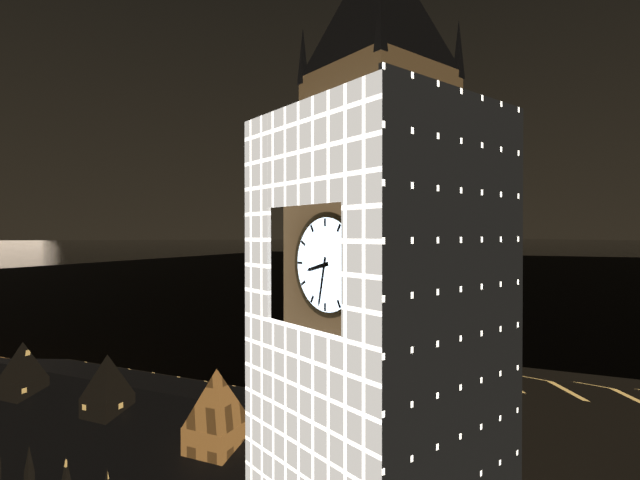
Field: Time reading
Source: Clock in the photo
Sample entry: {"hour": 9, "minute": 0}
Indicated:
{"hour": 8, "minute": 32}
